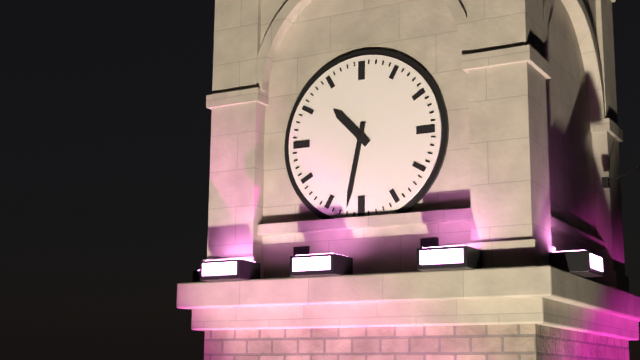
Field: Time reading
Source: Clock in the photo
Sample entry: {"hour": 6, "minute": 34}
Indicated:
{"hour": 10, "minute": 32}
